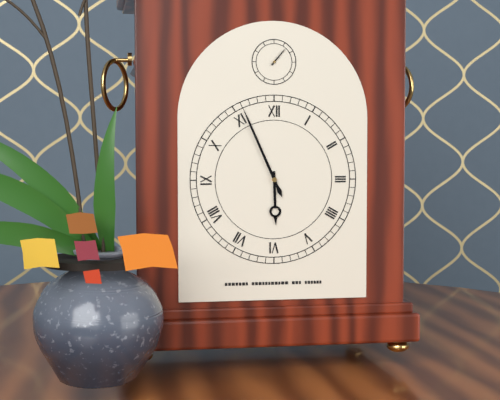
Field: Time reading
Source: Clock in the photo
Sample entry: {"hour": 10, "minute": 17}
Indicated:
{"hour": 5, "minute": 56}
